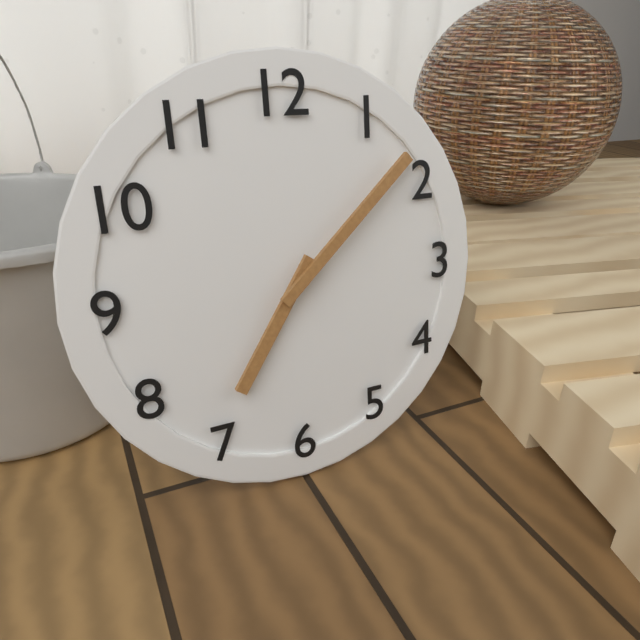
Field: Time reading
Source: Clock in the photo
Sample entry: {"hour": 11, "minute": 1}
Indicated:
{"hour": 7, "minute": 8}
